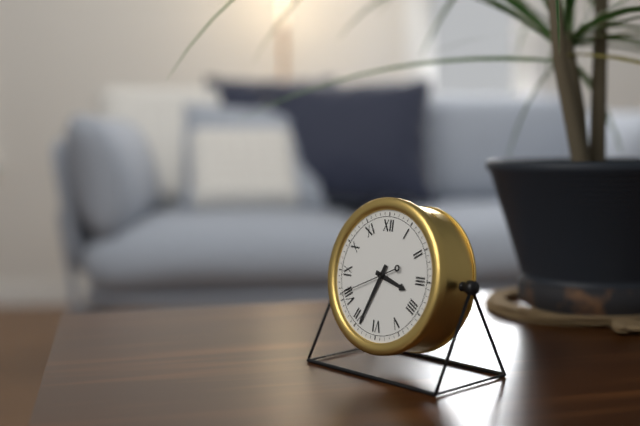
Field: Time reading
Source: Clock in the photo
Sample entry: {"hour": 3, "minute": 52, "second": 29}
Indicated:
{"hour": 3, "minute": 34, "second": 41}
